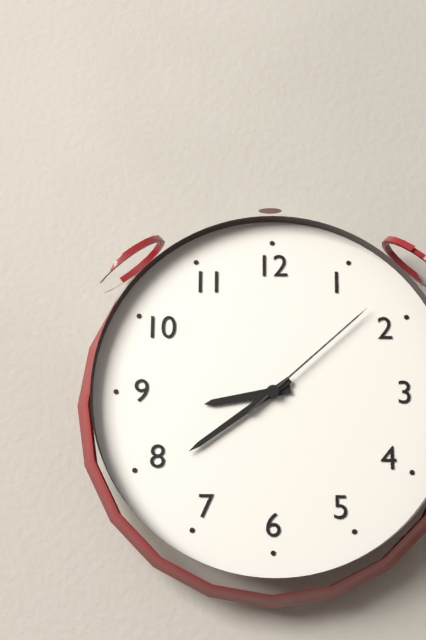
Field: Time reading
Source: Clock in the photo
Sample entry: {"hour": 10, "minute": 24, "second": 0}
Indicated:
{"hour": 8, "minute": 39, "second": 8}
